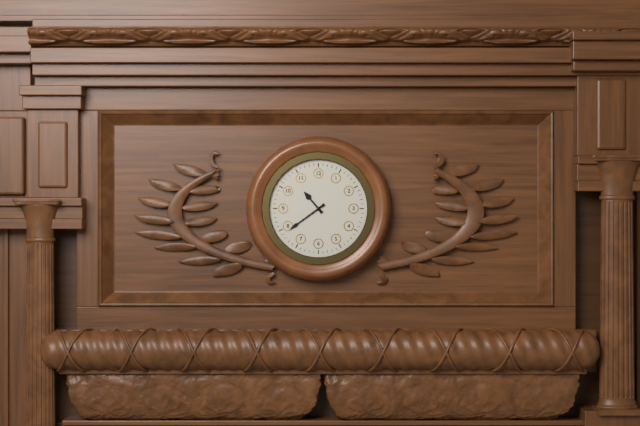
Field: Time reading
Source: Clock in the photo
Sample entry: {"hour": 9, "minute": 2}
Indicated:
{"hour": 10, "minute": 39}
